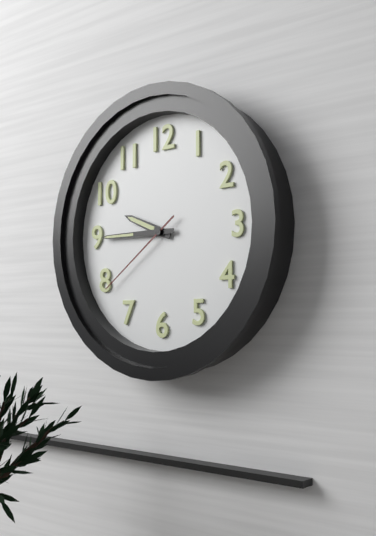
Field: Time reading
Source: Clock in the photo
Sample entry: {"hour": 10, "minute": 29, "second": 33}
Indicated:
{"hour": 9, "minute": 45, "second": 39}
